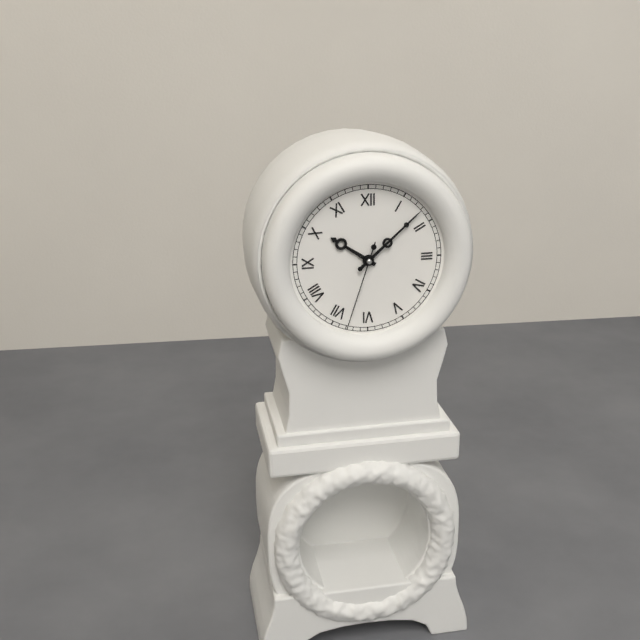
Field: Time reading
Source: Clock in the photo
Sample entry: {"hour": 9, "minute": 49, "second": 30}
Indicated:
{"hour": 10, "minute": 8, "second": 33}
